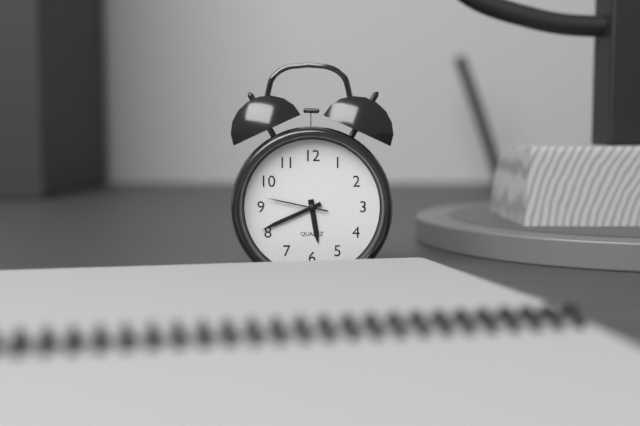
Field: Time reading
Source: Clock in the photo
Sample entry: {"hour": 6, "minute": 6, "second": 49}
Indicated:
{"hour": 5, "minute": 41, "second": 47}
